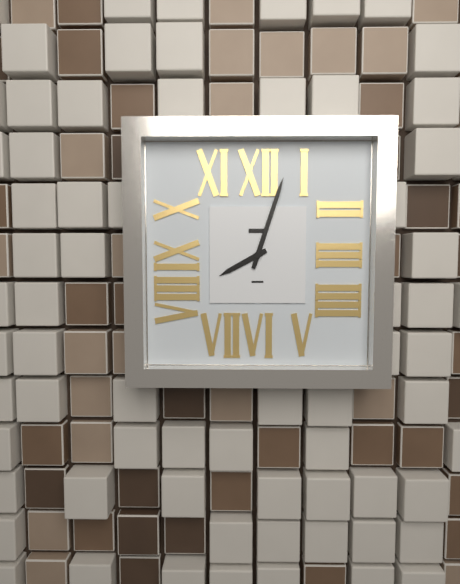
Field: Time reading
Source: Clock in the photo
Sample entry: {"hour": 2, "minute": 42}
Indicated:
{"hour": 8, "minute": 3}
